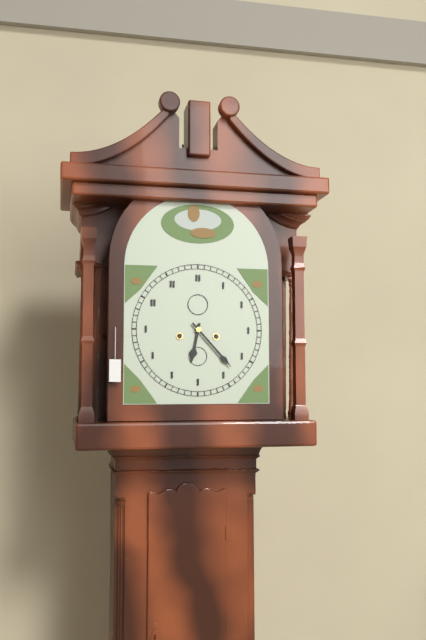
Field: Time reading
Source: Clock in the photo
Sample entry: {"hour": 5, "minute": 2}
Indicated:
{"hour": 6, "minute": 23}
